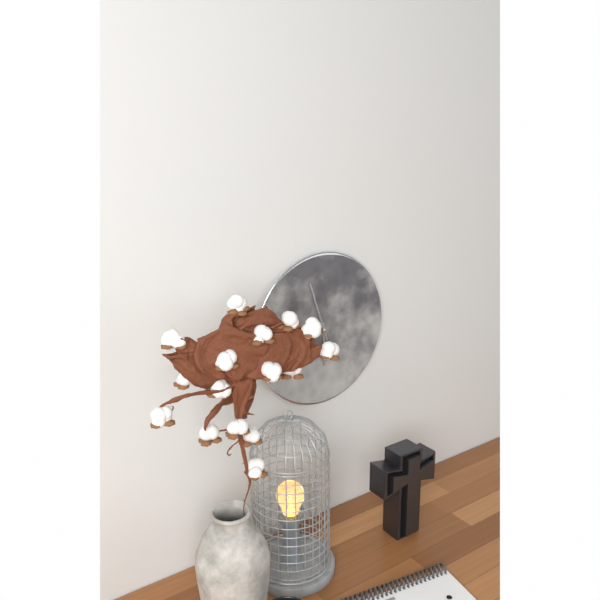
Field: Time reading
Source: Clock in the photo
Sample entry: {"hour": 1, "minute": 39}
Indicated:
{"hour": 5, "minute": 57}
